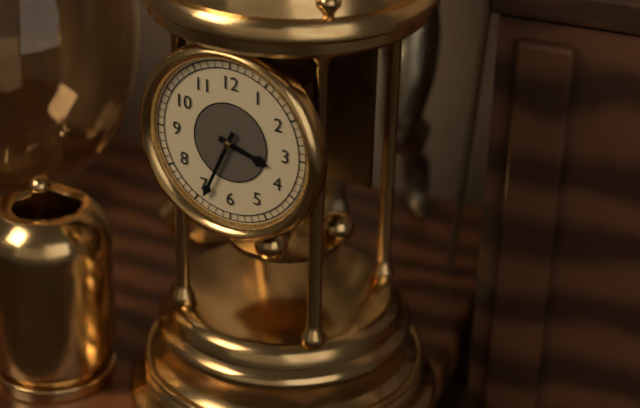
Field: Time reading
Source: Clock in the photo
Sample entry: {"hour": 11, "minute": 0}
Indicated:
{"hour": 3, "minute": 34}
